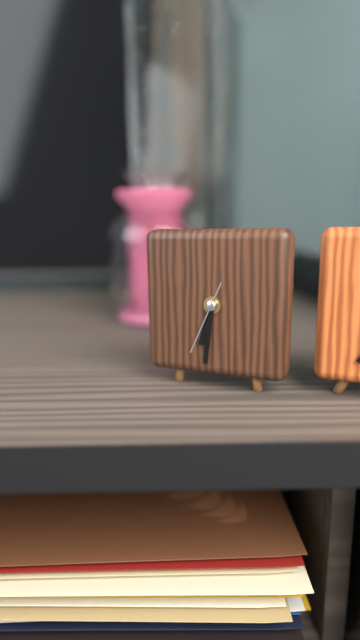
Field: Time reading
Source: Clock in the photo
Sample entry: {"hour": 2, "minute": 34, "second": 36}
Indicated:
{"hour": 6, "minute": 31, "second": 34}
